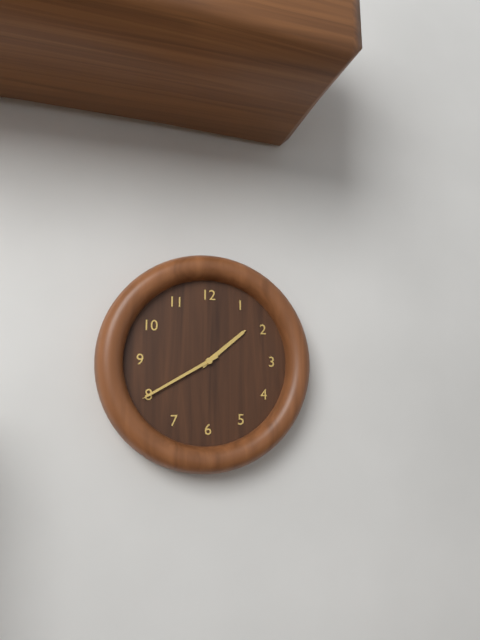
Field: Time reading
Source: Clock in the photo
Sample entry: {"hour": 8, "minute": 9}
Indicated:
{"hour": 1, "minute": 40}
